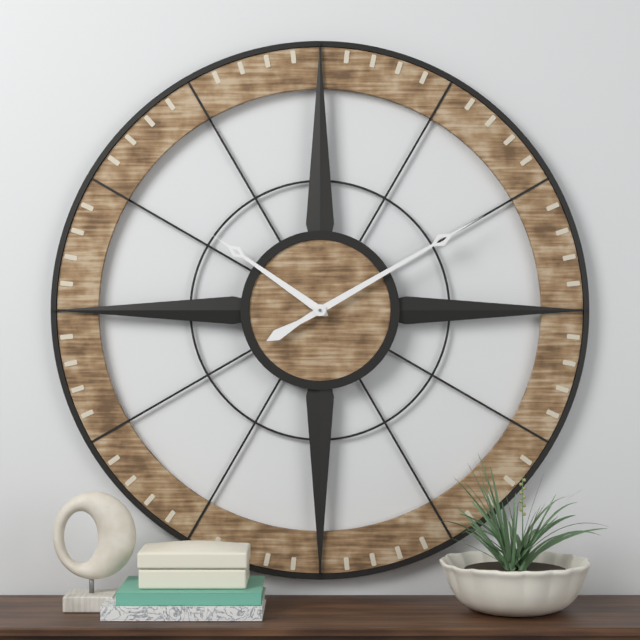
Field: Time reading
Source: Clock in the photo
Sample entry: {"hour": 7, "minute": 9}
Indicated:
{"hour": 10, "minute": 10}
